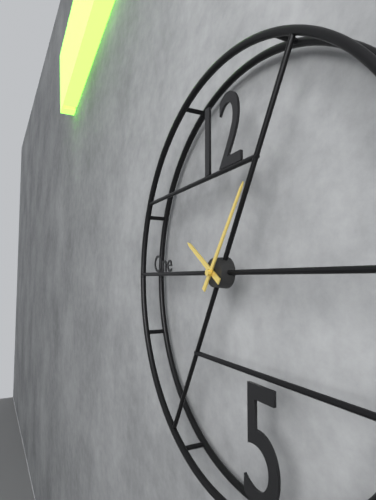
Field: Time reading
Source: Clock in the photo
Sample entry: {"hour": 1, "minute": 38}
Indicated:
{"hour": 10, "minute": 6}
